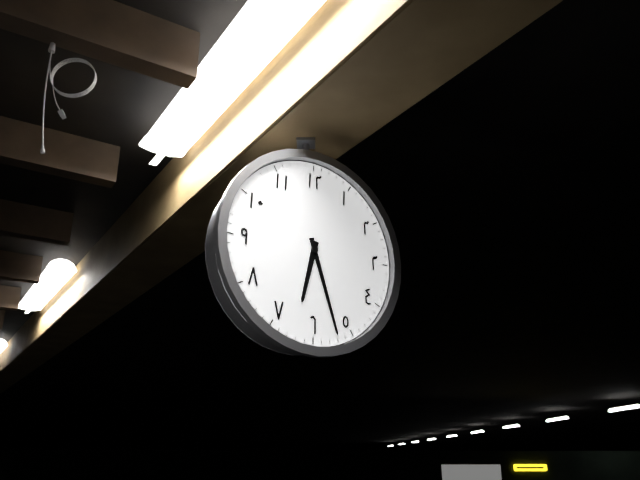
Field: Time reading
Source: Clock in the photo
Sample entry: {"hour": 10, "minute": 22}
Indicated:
{"hour": 6, "minute": 27}
